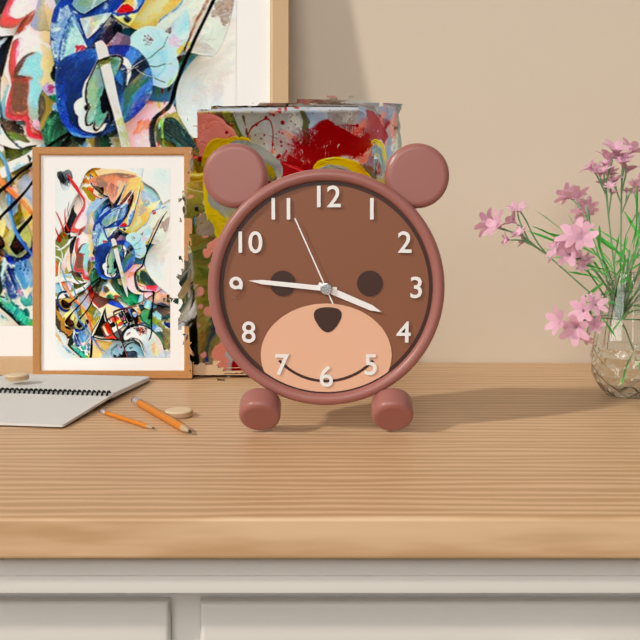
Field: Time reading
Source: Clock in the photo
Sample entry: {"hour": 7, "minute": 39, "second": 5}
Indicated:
{"hour": 3, "minute": 46, "second": 56}
